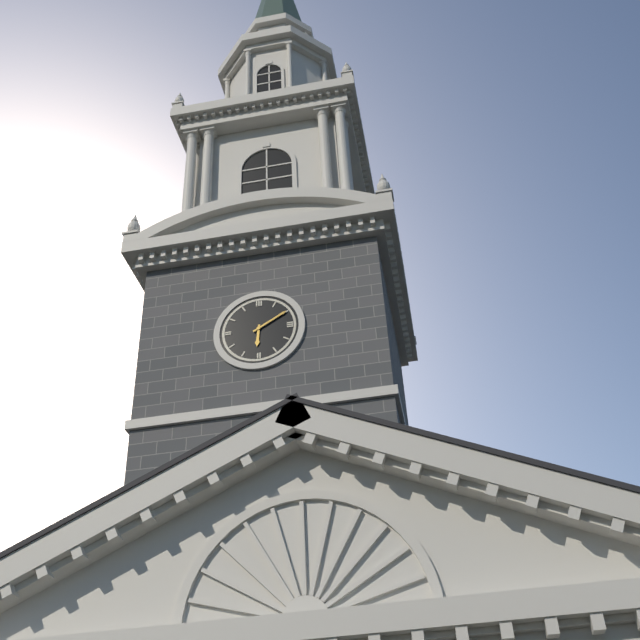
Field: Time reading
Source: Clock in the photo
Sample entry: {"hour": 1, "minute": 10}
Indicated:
{"hour": 6, "minute": 10}
